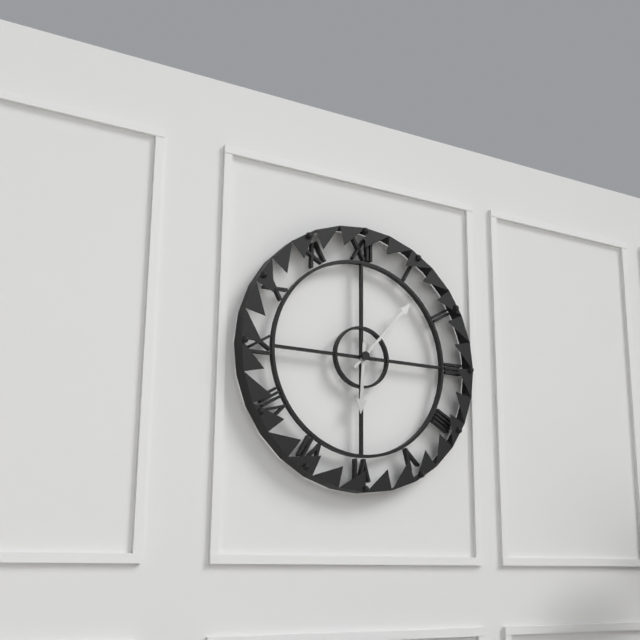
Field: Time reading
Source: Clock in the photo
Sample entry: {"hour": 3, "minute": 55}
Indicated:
{"hour": 6, "minute": 7}
